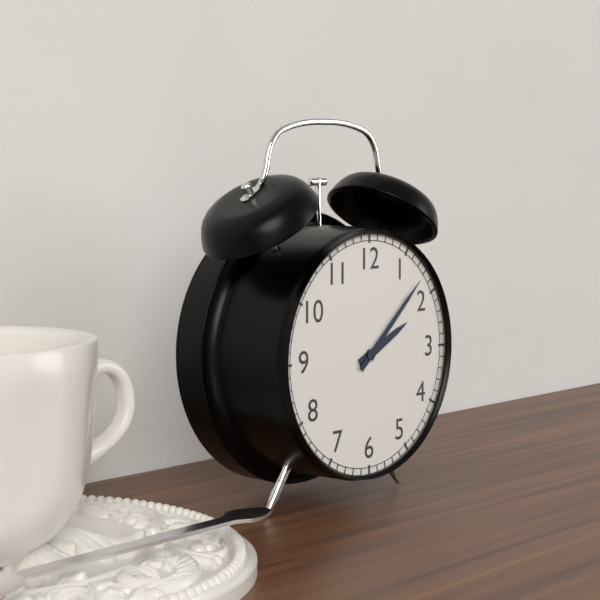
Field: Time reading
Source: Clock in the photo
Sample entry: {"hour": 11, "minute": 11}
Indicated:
{"hour": 2, "minute": 8}
